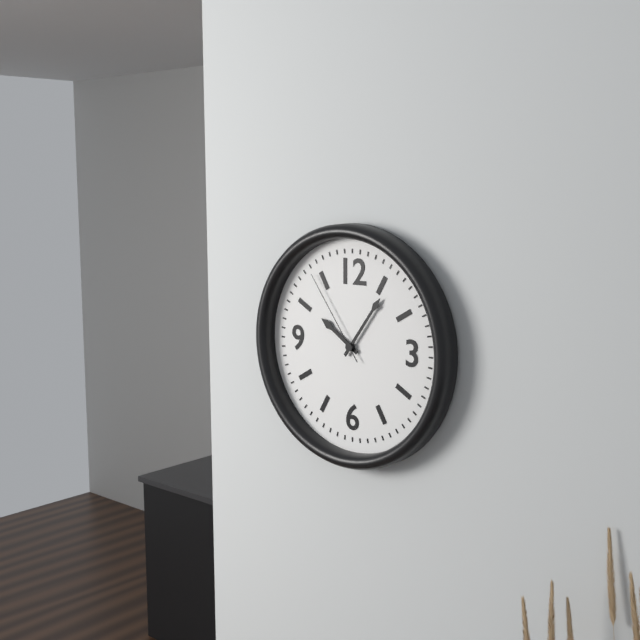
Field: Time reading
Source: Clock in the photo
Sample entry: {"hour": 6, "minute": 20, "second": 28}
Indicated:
{"hour": 10, "minute": 6, "second": 54}
